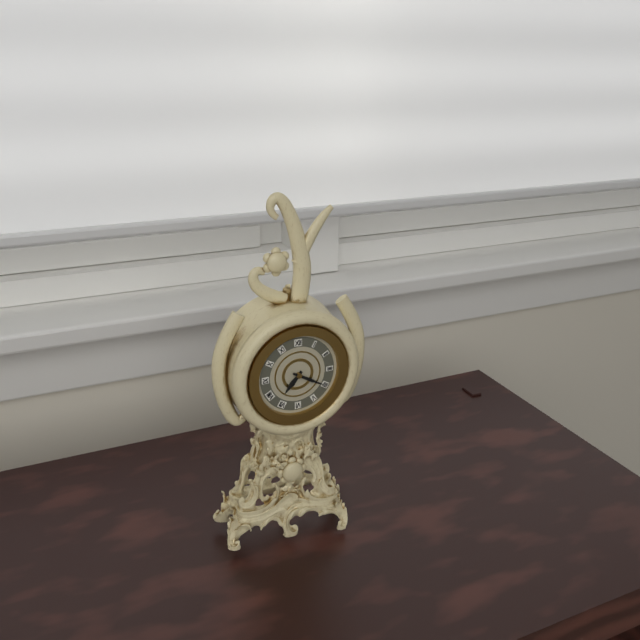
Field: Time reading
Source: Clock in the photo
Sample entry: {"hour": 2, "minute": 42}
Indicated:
{"hour": 7, "minute": 20}
